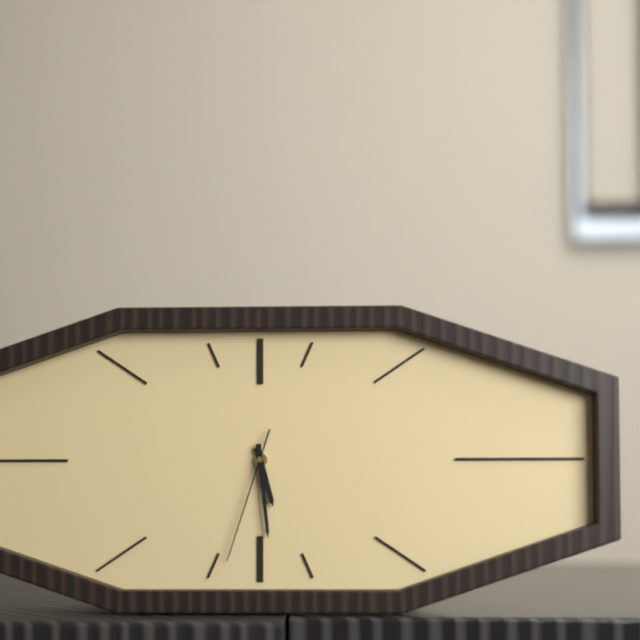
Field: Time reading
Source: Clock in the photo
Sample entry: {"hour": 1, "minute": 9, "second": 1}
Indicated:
{"hour": 5, "minute": 29, "second": 33}
